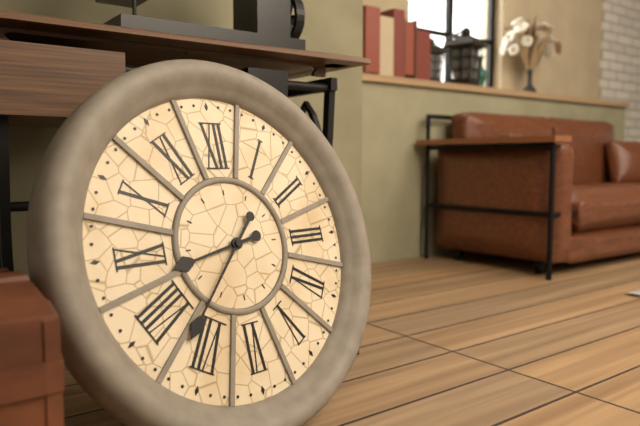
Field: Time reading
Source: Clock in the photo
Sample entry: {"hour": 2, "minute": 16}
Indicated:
{"hour": 8, "minute": 37}
